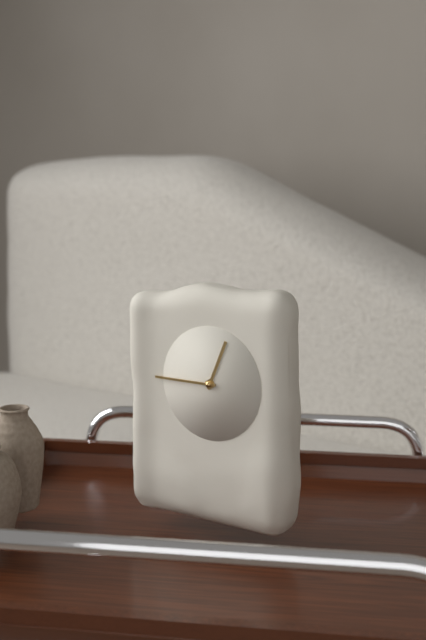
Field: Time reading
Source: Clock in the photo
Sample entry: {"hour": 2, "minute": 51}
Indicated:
{"hour": 12, "minute": 45}
